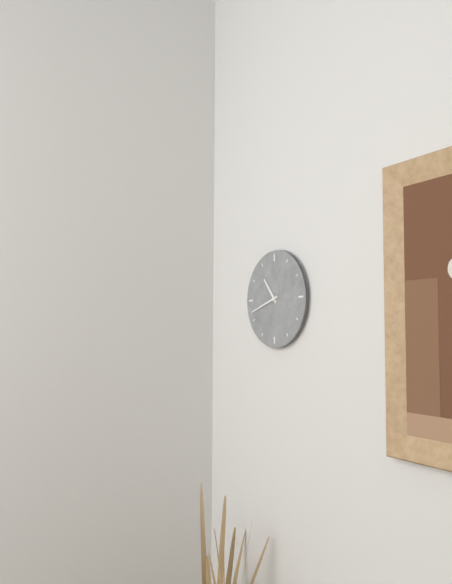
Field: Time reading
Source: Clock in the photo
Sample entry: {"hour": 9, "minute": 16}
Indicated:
{"hour": 10, "minute": 42}
